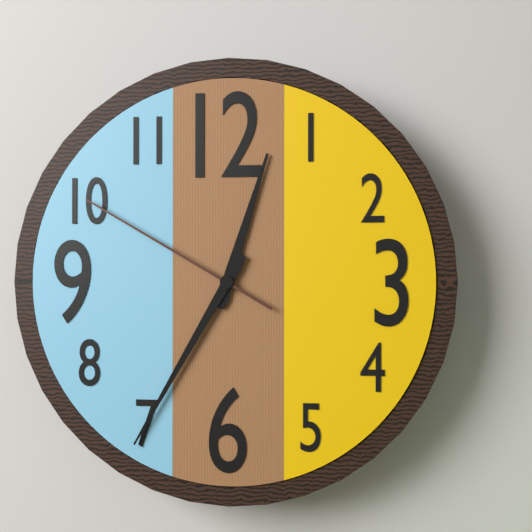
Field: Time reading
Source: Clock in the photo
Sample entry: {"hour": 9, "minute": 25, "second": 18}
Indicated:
{"hour": 12, "minute": 35, "second": 50}
